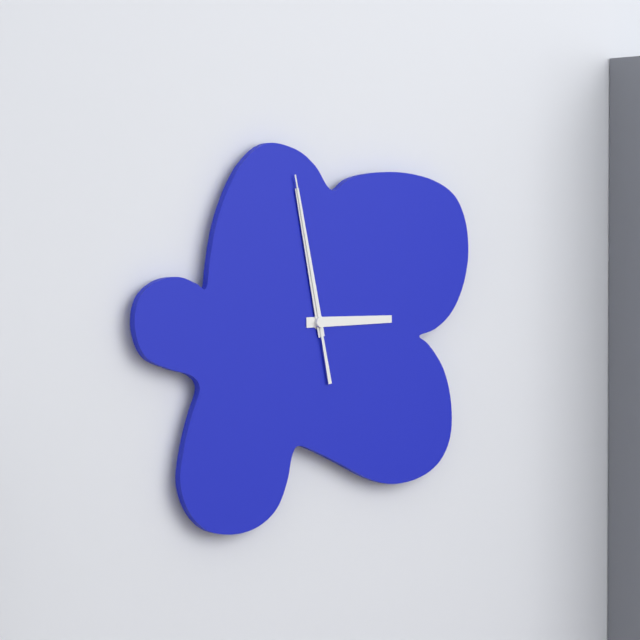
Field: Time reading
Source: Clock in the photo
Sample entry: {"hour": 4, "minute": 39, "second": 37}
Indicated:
{"hour": 2, "minute": 58, "second": 58}
